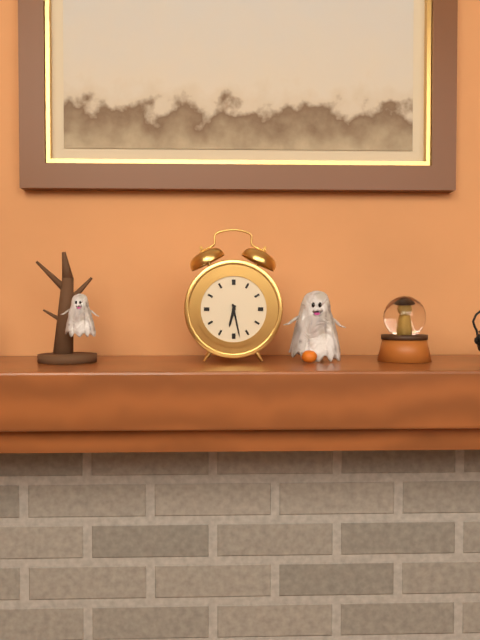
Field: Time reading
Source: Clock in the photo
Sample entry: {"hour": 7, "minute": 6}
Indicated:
{"hour": 6, "minute": 28}
